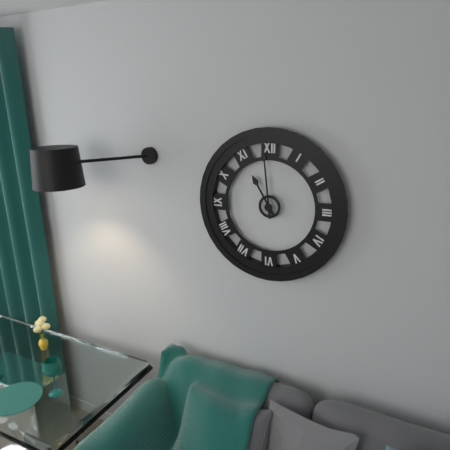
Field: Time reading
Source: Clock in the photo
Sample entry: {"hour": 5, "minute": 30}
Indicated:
{"hour": 10, "minute": 59}
